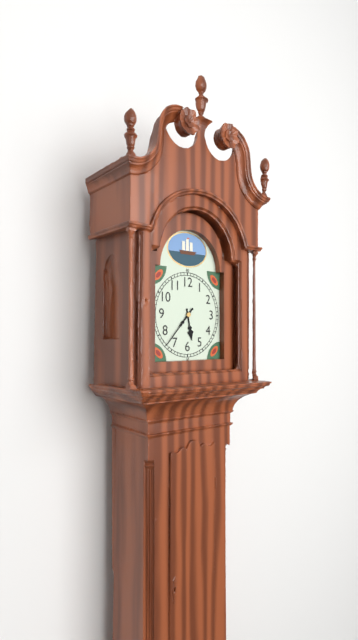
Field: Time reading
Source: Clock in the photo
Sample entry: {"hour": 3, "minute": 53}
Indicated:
{"hour": 5, "minute": 37}
